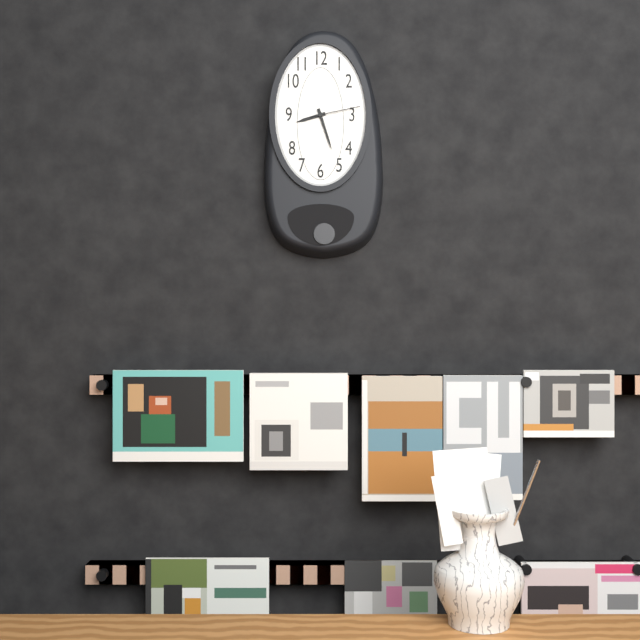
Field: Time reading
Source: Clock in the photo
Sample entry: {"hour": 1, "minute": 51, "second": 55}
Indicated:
{"hour": 8, "minute": 27, "second": 13}
